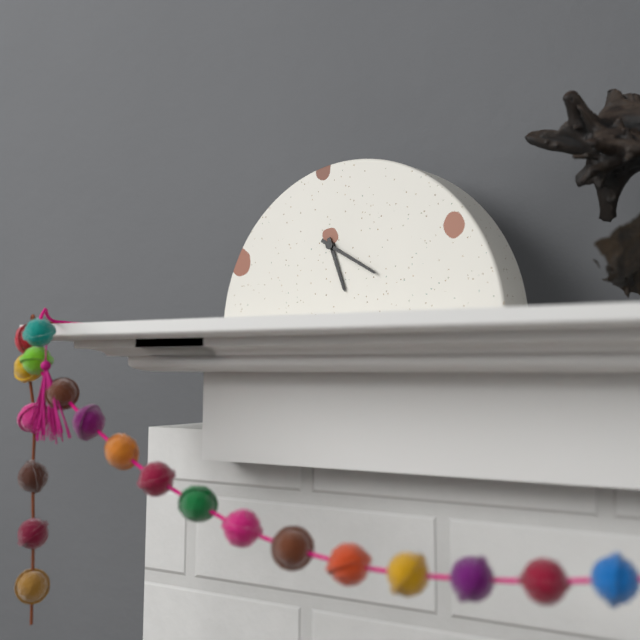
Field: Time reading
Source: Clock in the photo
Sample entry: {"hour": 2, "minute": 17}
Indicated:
{"hour": 5, "minute": 20}
